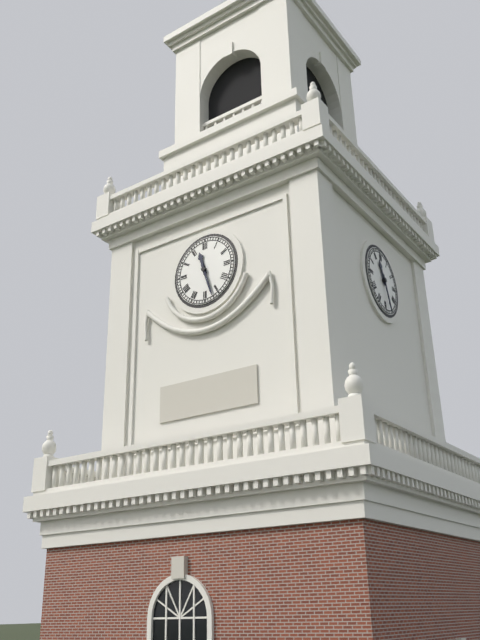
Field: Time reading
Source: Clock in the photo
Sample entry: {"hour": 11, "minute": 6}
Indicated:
{"hour": 11, "minute": 27}
